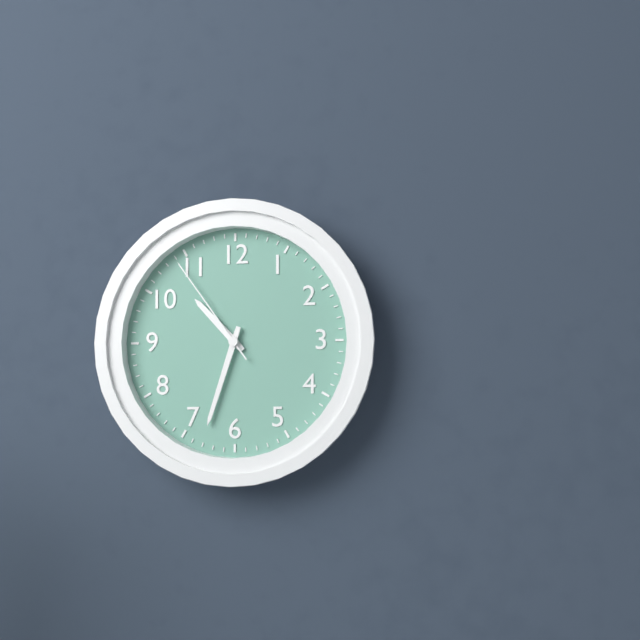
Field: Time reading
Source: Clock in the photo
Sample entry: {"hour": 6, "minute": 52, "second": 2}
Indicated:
{"hour": 10, "minute": 33, "second": 54}
